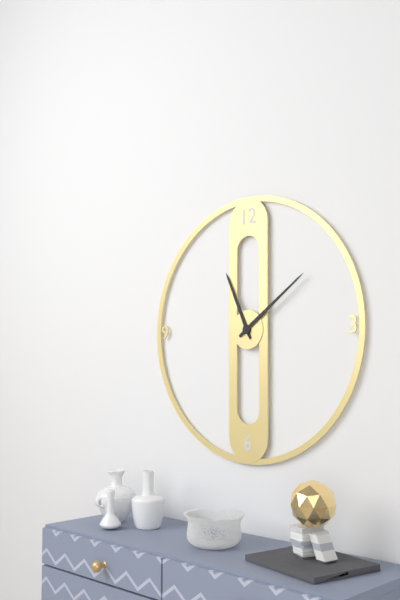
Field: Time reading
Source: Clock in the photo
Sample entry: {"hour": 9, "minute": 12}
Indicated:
{"hour": 11, "minute": 9}
